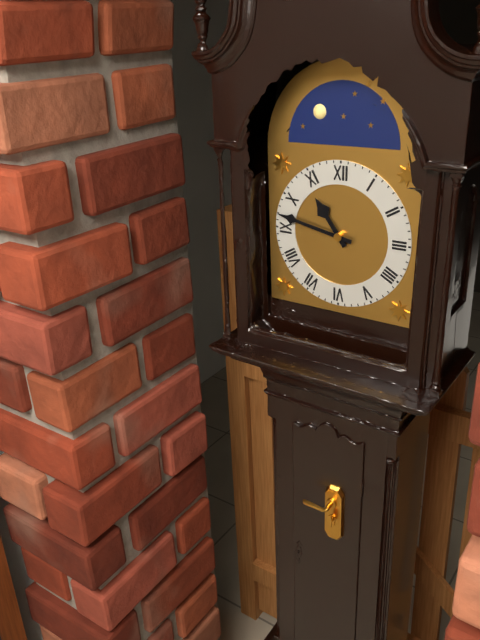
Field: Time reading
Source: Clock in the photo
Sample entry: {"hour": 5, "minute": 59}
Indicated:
{"hour": 10, "minute": 47}
